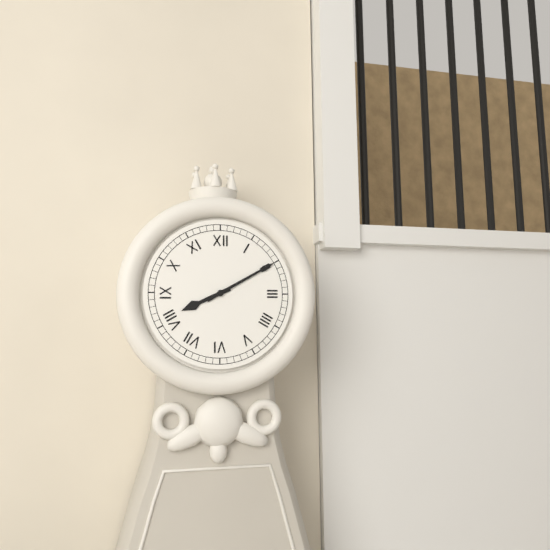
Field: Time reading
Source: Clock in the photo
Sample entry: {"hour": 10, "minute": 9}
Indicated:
{"hour": 8, "minute": 10}
